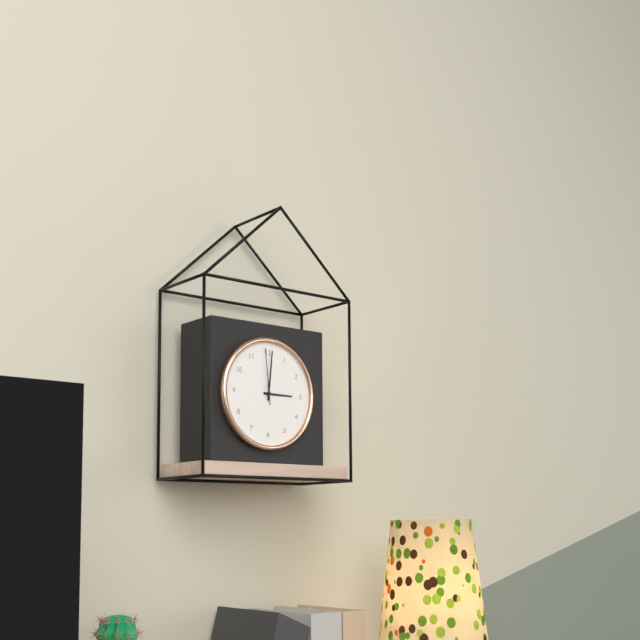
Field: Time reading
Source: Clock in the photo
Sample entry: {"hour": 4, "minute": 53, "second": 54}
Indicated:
{"hour": 3, "minute": 1, "second": 59}
